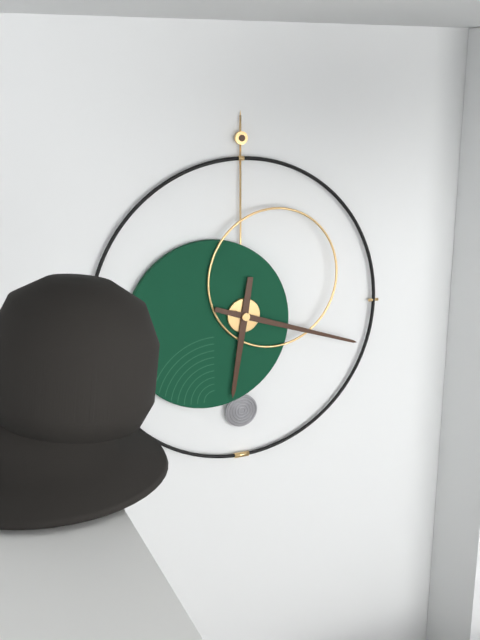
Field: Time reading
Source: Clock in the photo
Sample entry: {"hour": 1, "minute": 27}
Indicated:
{"hour": 6, "minute": 18}
